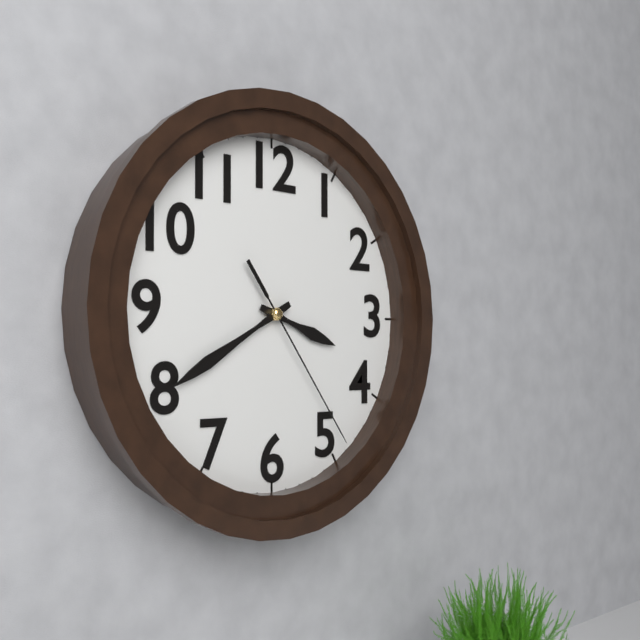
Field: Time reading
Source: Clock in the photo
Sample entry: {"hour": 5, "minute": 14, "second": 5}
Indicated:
{"hour": 3, "minute": 40, "second": 24}
